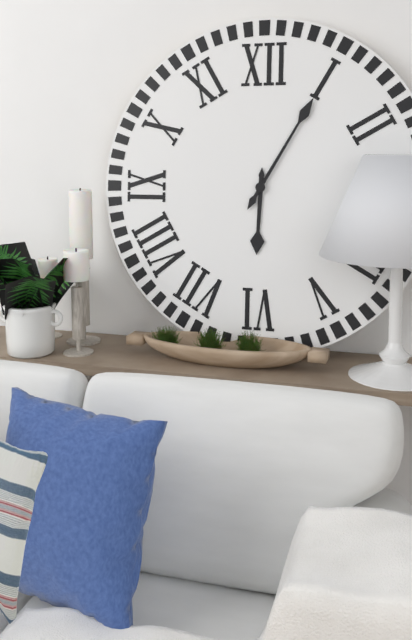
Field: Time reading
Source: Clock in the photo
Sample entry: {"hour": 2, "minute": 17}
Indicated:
{"hour": 6, "minute": 5}
